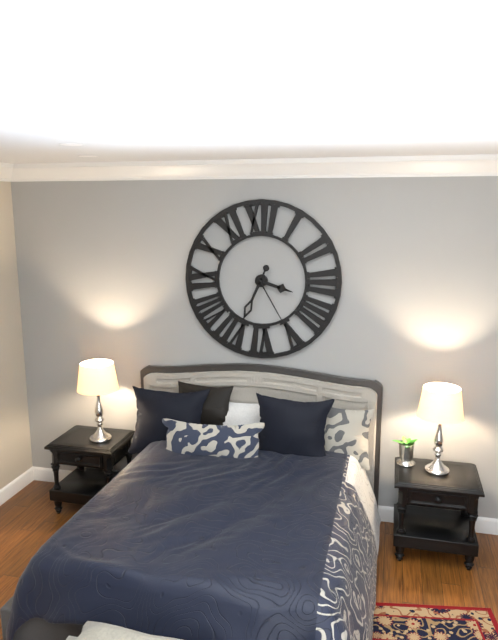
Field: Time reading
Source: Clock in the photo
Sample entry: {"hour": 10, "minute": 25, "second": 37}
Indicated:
{"hour": 3, "minute": 34, "second": 25}
